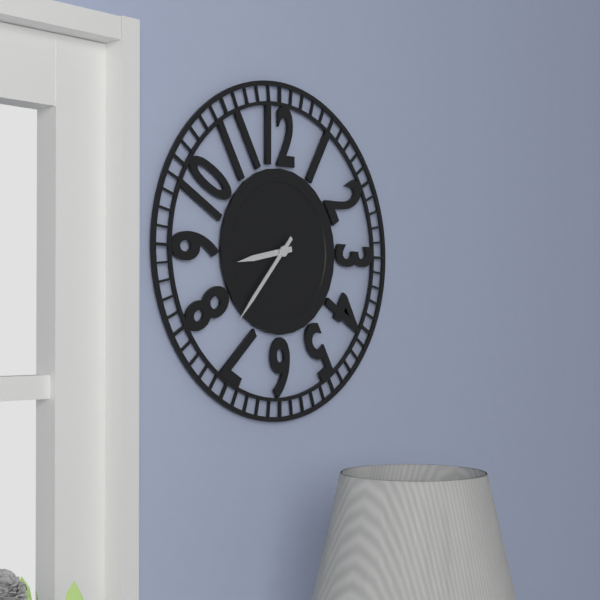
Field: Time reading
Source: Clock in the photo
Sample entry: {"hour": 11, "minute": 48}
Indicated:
{"hour": 8, "minute": 37}
